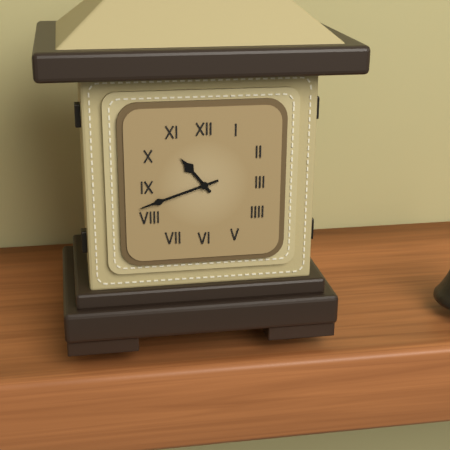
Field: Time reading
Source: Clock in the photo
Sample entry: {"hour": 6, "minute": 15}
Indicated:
{"hour": 10, "minute": 42}
